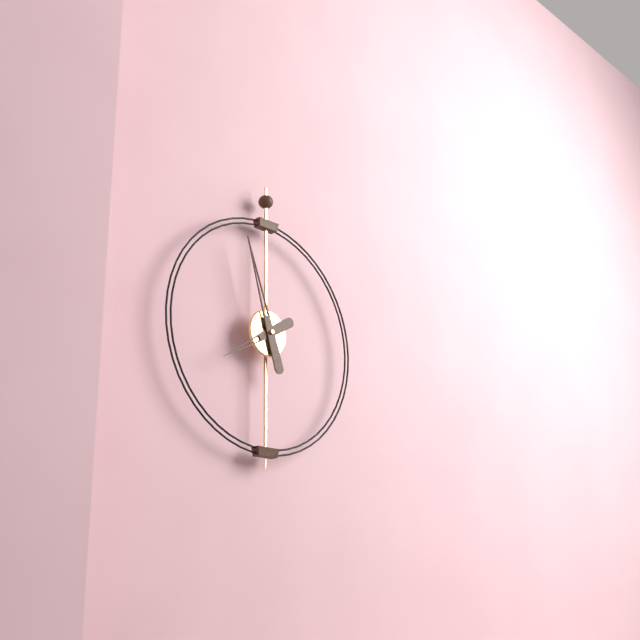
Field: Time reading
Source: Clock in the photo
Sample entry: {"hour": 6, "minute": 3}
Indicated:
{"hour": 7, "minute": 57}
